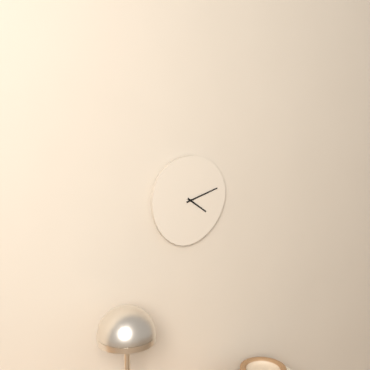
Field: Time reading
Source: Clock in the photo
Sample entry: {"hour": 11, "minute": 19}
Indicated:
{"hour": 4, "minute": 12}
